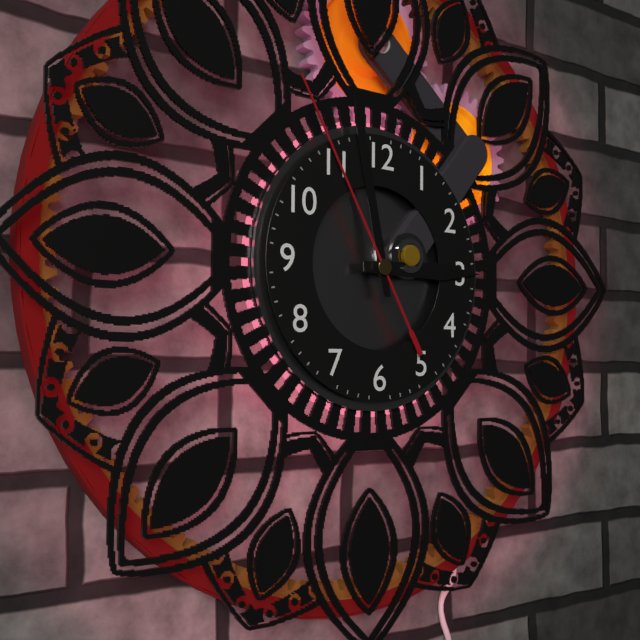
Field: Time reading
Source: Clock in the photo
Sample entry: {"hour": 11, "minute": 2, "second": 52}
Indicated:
{"hour": 2, "minute": 58, "second": 55}
